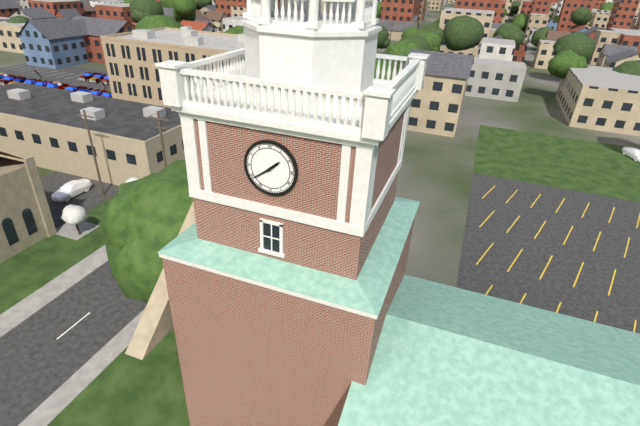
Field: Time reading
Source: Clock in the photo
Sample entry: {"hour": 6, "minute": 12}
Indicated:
{"hour": 1, "minute": 39}
